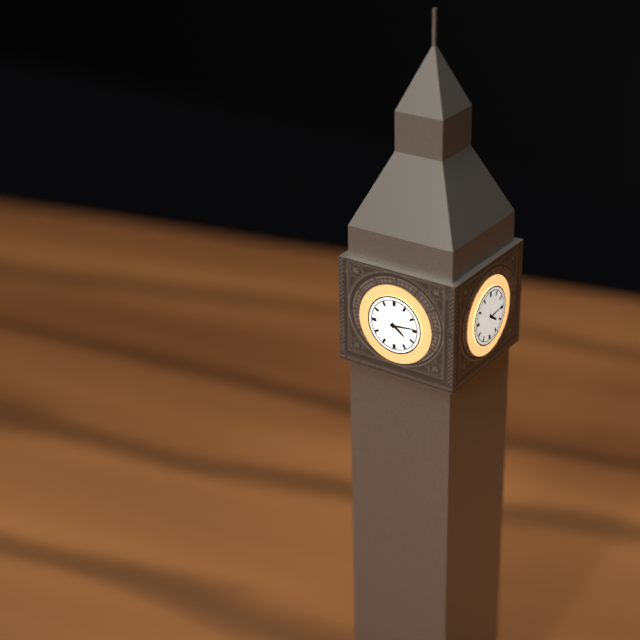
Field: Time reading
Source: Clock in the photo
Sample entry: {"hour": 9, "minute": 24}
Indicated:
{"hour": 4, "minute": 14}
